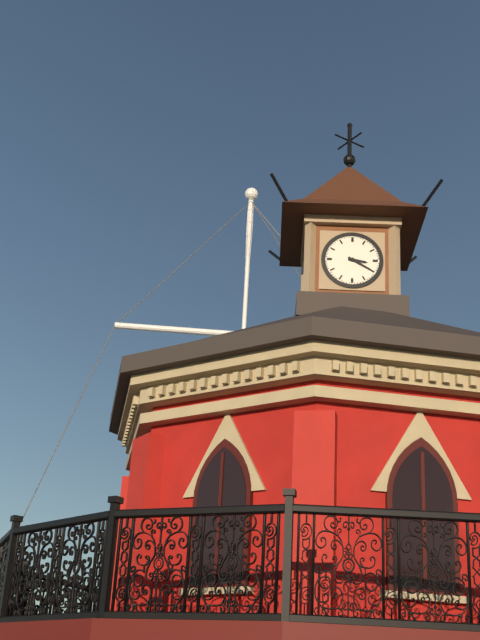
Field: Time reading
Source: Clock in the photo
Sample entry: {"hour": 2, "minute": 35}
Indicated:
{"hour": 3, "minute": 20}
